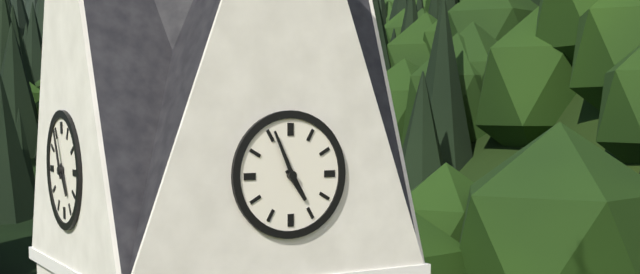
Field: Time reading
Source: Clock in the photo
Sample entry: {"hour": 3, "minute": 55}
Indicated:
{"hour": 4, "minute": 56}
